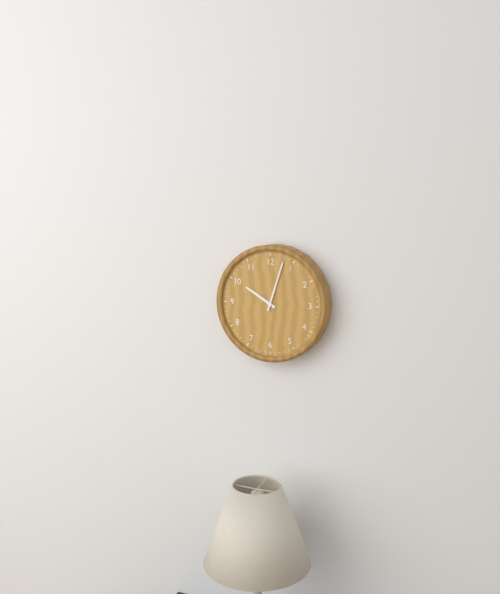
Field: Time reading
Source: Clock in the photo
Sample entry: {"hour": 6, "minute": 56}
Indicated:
{"hour": 10, "minute": 3}
